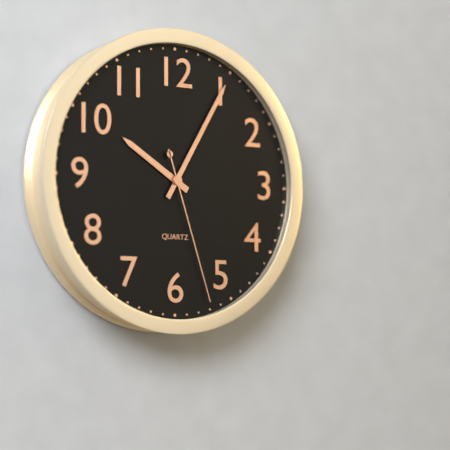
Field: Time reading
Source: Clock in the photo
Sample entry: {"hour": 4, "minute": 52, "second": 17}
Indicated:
{"hour": 10, "minute": 5, "second": 27}
